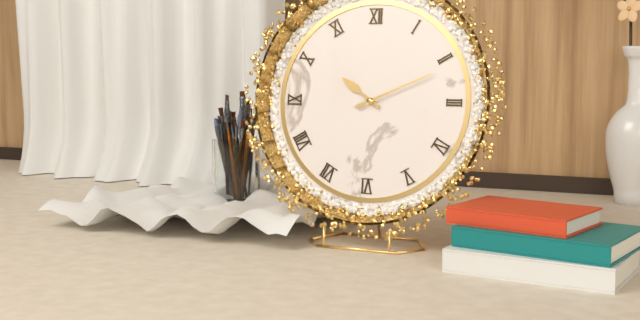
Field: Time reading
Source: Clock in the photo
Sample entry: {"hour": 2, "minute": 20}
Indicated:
{"hour": 10, "minute": 11}
